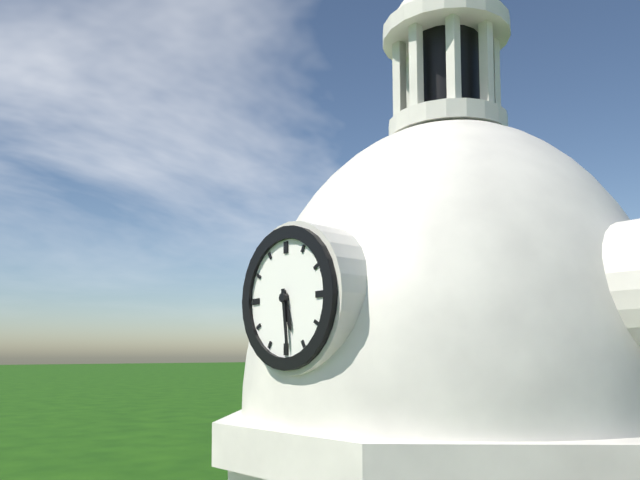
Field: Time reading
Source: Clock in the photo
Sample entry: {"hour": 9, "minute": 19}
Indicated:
{"hour": 5, "minute": 29}
